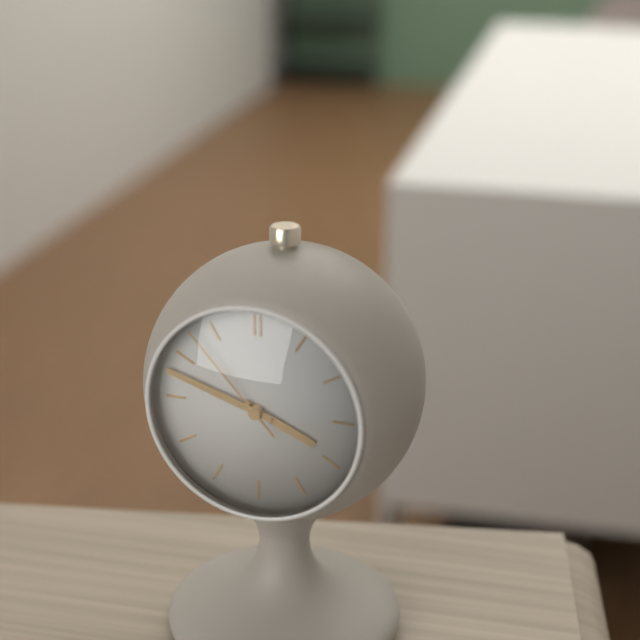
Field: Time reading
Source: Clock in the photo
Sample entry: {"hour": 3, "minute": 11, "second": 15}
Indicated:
{"hour": 3, "minute": 48, "second": 53}
